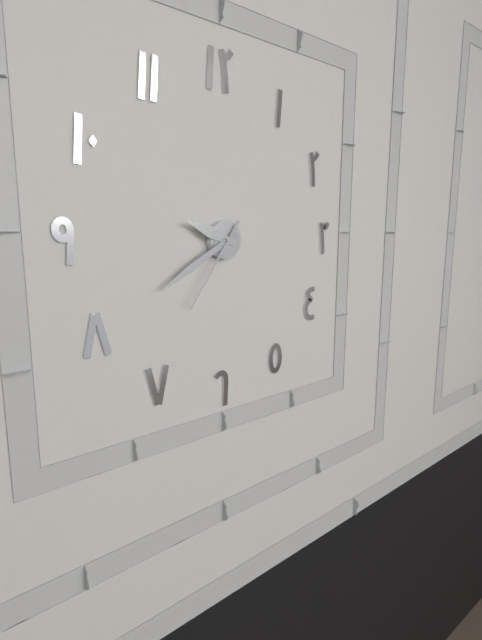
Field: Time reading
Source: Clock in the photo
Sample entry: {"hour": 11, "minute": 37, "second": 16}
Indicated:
{"hour": 9, "minute": 40, "second": 36}
